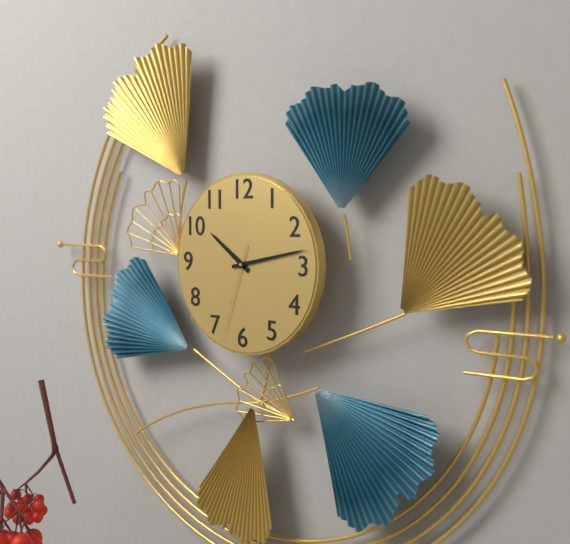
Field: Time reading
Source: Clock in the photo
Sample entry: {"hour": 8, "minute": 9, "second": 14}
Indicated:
{"hour": 10, "minute": 13, "second": 33}
